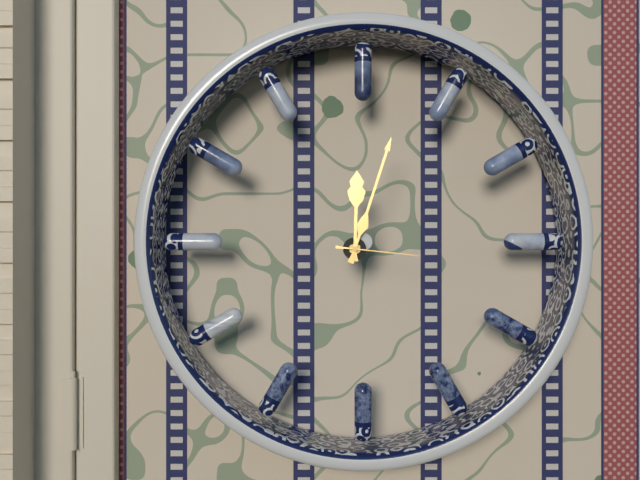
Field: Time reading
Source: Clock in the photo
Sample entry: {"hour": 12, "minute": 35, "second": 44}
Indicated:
{"hour": 12, "minute": 3, "second": 16}
